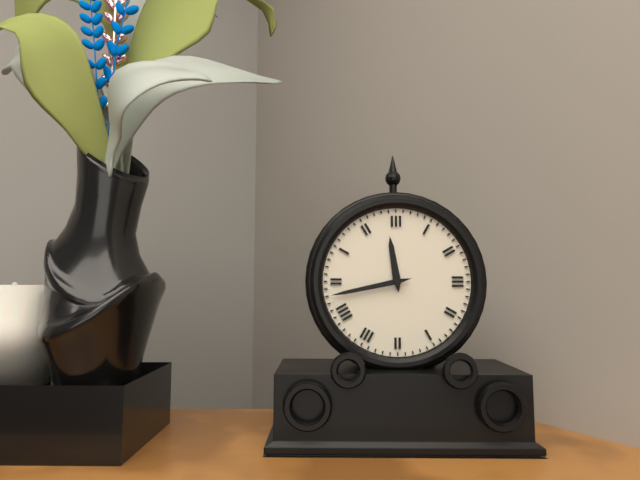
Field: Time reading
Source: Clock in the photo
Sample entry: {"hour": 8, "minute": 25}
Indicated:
{"hour": 11, "minute": 43}
